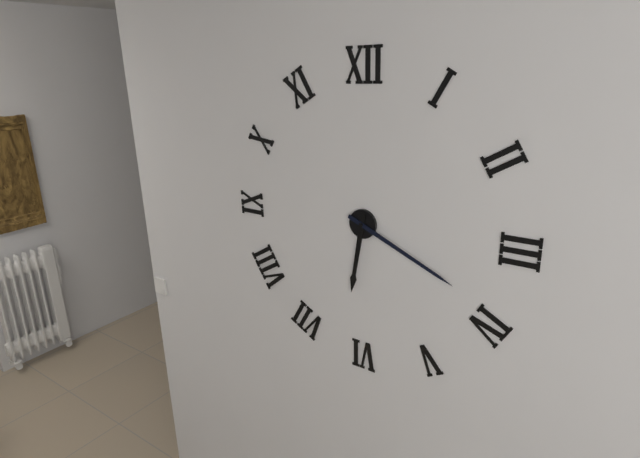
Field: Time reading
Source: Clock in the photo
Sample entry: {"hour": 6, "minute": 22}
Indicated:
{"hour": 6, "minute": 19}
